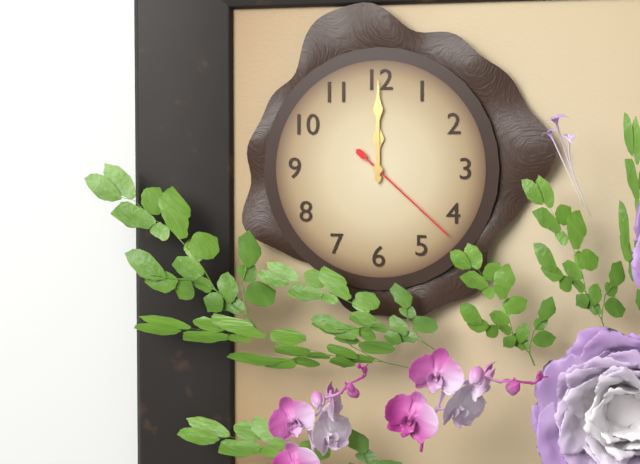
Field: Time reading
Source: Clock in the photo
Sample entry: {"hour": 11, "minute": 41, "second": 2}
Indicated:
{"hour": 12, "minute": 0, "second": 22}
